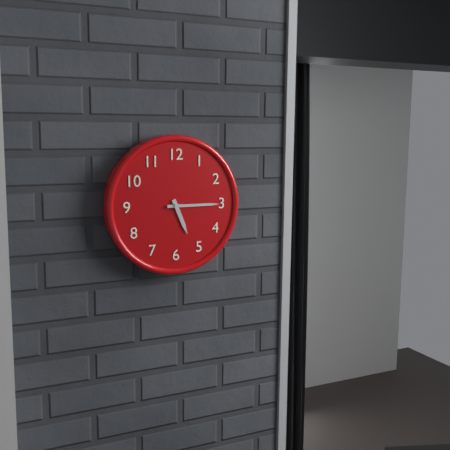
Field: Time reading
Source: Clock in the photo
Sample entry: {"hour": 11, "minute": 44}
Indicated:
{"hour": 5, "minute": 15}
